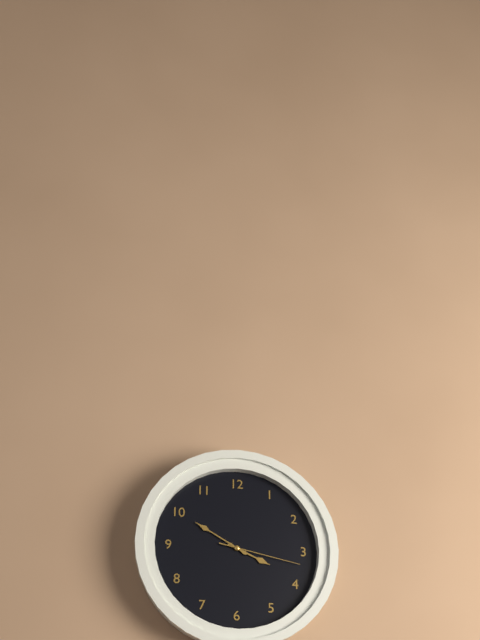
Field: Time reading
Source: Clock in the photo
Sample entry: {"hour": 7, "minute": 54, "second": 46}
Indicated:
{"hour": 3, "minute": 50, "second": 17}
